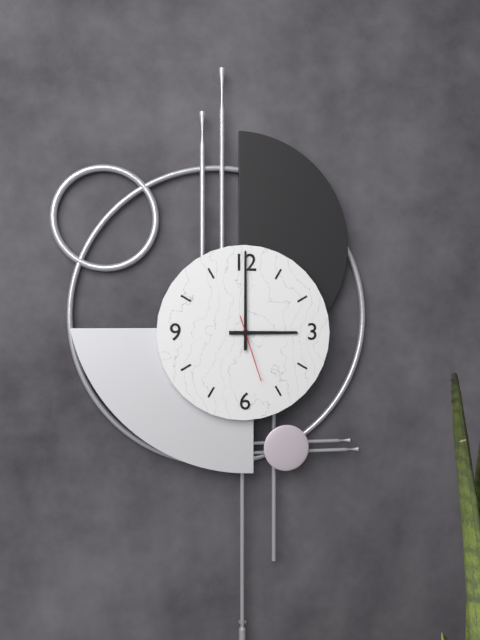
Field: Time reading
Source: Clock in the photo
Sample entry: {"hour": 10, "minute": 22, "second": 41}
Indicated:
{"hour": 3, "minute": 0, "second": 27}
